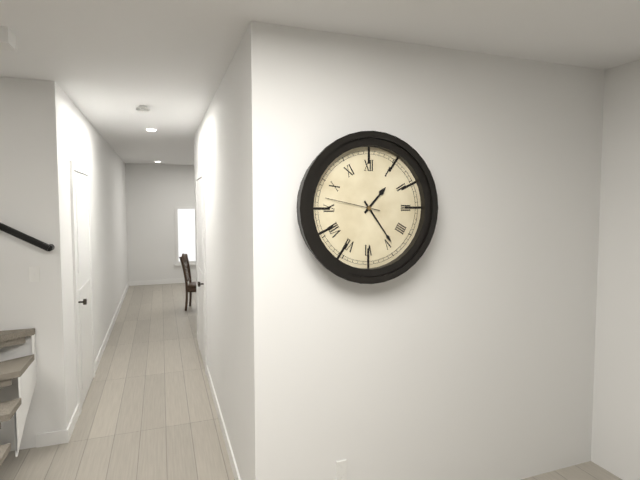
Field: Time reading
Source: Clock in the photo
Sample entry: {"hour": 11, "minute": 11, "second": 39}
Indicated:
{"hour": 1, "minute": 24, "second": 47}
